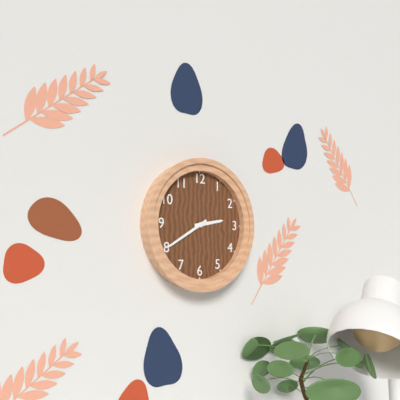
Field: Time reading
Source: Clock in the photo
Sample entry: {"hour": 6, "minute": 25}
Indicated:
{"hour": 2, "minute": 40}
